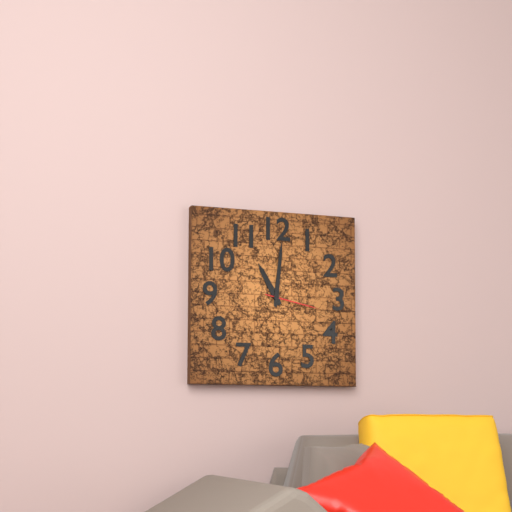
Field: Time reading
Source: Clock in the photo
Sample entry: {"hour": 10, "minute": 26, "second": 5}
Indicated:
{"hour": 11, "minute": 1, "second": 17}
